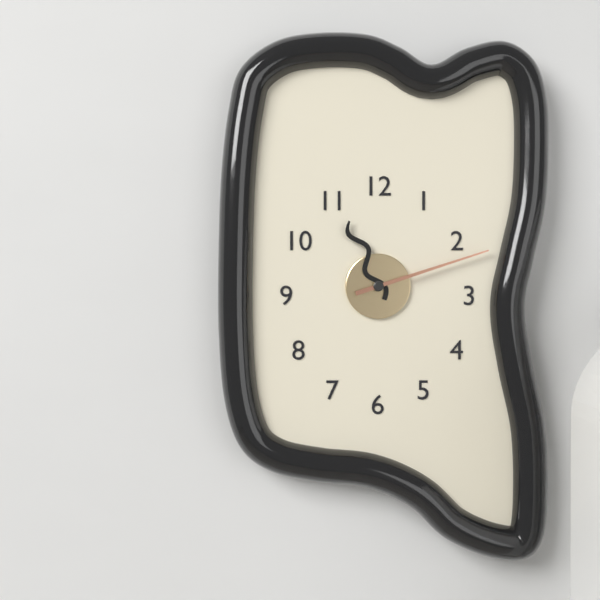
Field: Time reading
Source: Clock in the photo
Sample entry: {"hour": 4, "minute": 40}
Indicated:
{"hour": 11, "minute": 12}
